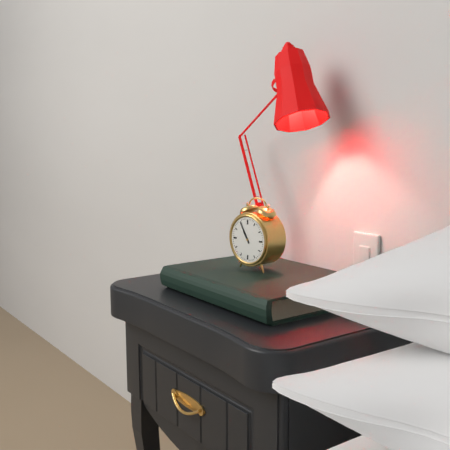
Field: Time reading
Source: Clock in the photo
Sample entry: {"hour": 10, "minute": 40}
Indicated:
{"hour": 10, "minute": 55}
